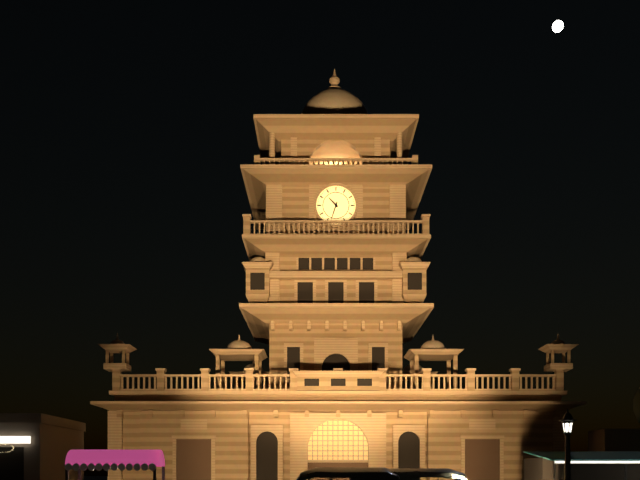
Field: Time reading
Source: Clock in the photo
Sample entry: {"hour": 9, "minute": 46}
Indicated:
{"hour": 10, "minute": 33}
